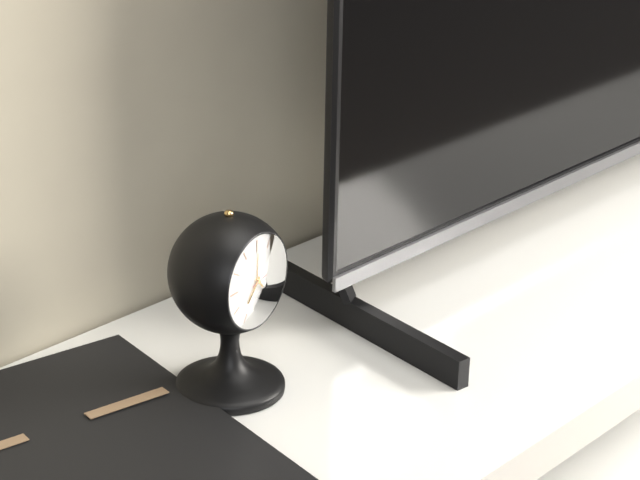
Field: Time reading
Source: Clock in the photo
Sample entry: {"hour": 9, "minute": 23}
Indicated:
{"hour": 7, "minute": 23}
